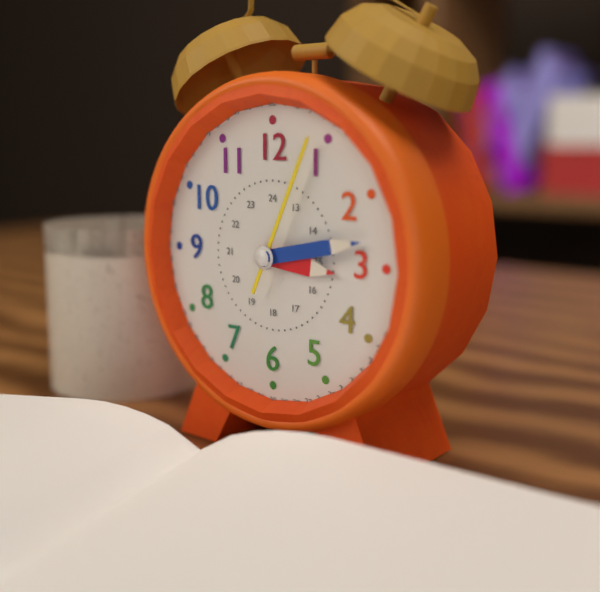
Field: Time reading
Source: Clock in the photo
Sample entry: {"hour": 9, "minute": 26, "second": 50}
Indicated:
{"hour": 3, "minute": 13, "second": 4}
